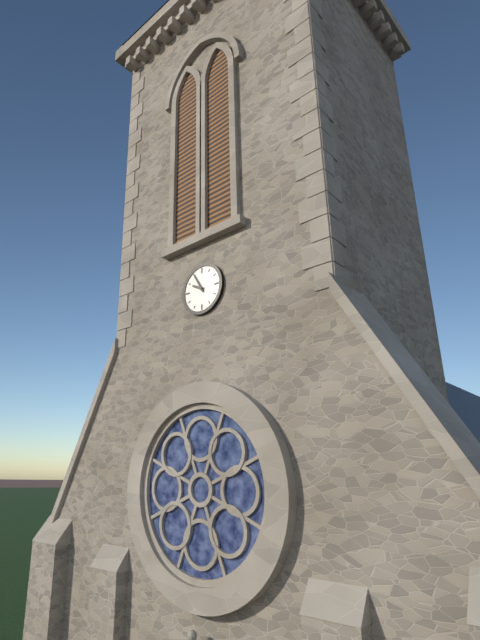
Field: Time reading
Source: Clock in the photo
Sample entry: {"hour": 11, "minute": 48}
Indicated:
{"hour": 9, "minute": 55}
